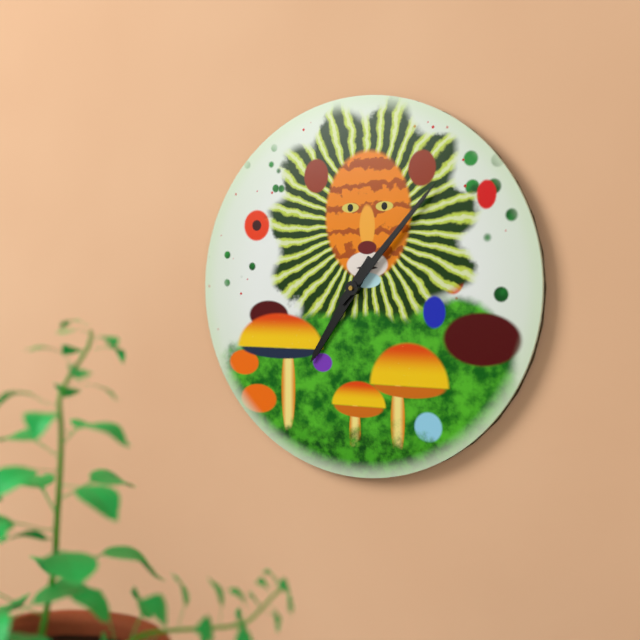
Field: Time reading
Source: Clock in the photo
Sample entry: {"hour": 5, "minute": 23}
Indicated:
{"hour": 7, "minute": 7}
